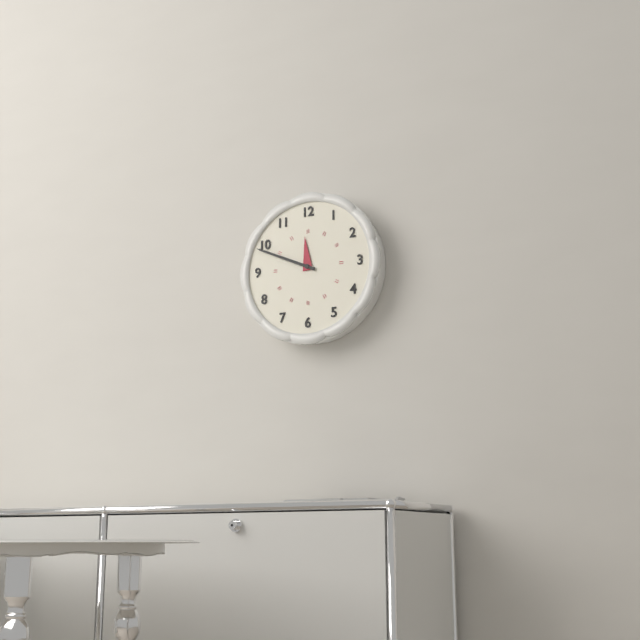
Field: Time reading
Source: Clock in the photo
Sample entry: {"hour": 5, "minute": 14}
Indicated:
{"hour": 11, "minute": 49}
